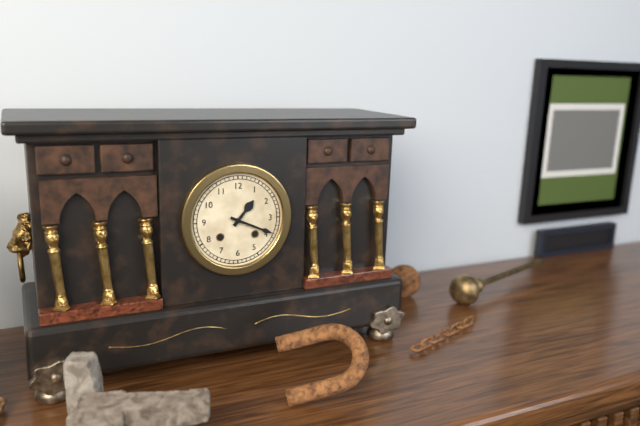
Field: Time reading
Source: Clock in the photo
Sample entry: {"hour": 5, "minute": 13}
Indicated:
{"hour": 1, "minute": 19}
